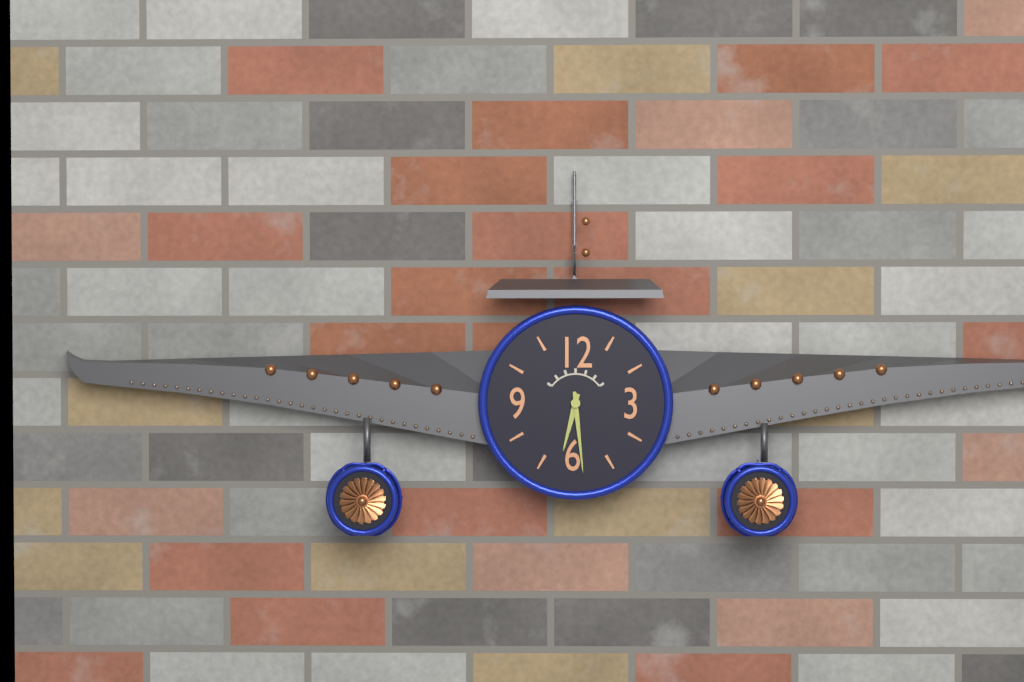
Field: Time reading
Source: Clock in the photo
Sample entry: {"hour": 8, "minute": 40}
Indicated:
{"hour": 6, "minute": 29}
